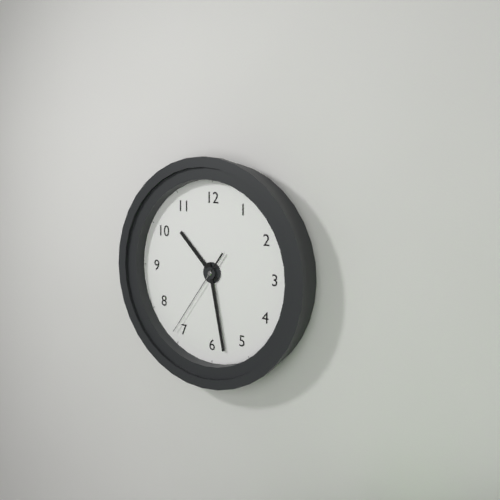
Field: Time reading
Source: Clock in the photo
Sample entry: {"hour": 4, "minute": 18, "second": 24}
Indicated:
{"hour": 10, "minute": 28, "second": 36}
